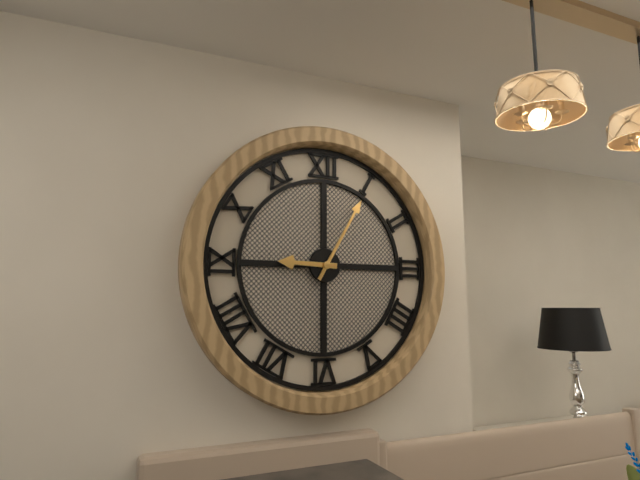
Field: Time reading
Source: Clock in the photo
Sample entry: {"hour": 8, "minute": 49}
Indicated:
{"hour": 9, "minute": 5}
